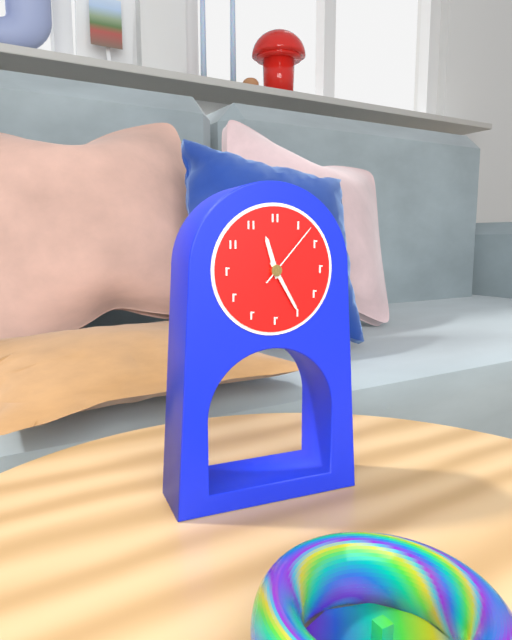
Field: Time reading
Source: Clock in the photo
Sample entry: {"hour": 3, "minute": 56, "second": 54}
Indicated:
{"hour": 11, "minute": 25, "second": 7}
